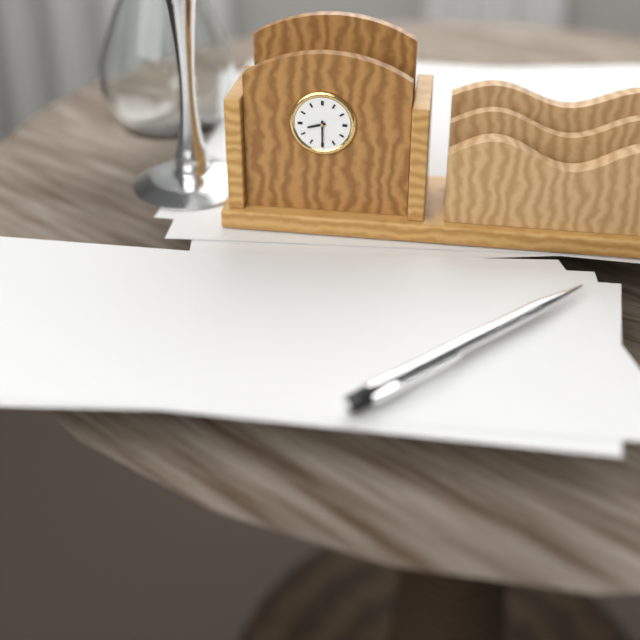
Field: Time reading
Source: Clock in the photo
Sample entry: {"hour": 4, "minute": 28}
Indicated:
{"hour": 8, "minute": 30}
